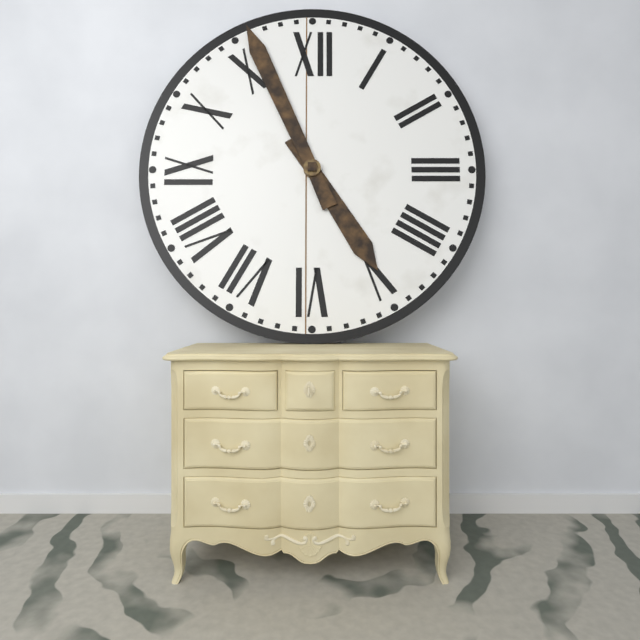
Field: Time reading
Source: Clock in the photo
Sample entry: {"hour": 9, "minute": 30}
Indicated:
{"hour": 4, "minute": 56}
